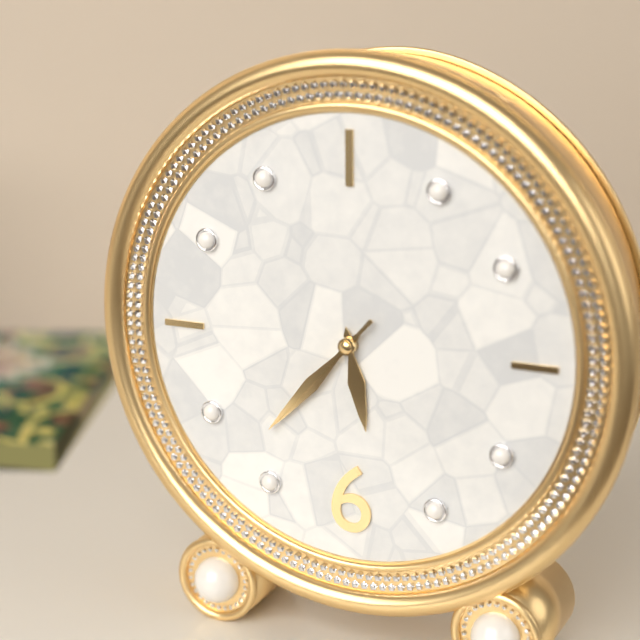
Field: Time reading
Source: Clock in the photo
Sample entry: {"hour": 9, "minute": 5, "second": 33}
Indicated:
{"hour": 5, "minute": 37, "second": 37}
